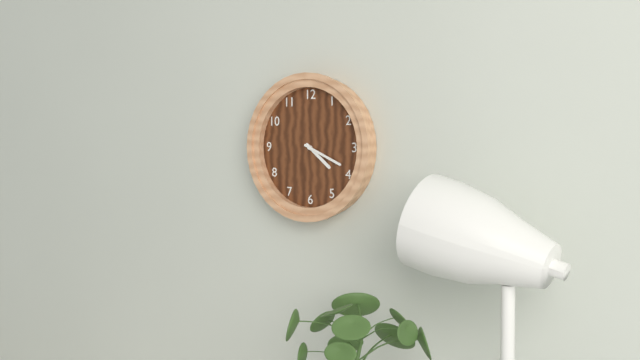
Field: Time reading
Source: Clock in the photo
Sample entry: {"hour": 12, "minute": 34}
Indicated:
{"hour": 4, "minute": 19}
